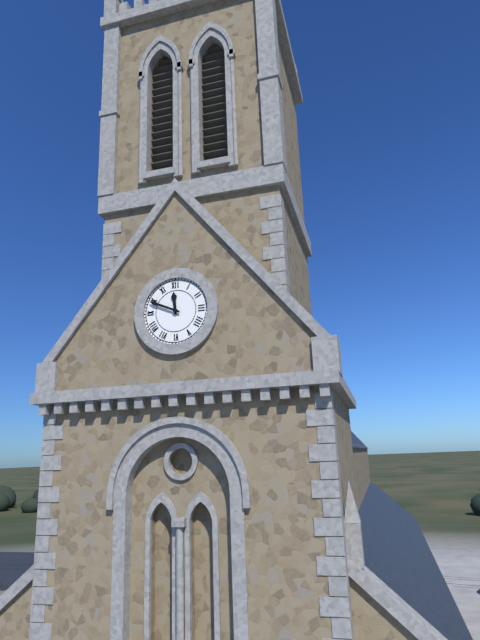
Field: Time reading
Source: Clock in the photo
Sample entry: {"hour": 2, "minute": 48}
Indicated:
{"hour": 11, "minute": 49}
